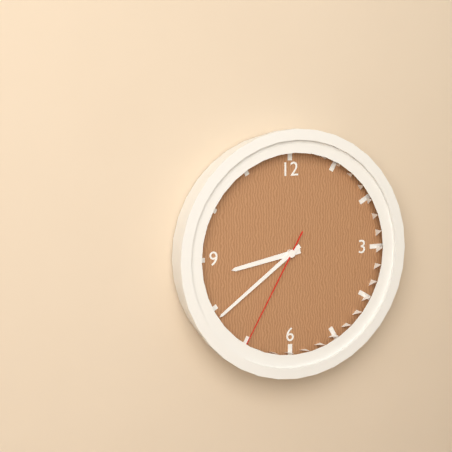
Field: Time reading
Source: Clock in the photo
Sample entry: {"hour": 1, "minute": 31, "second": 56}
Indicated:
{"hour": 8, "minute": 39, "second": 35}
